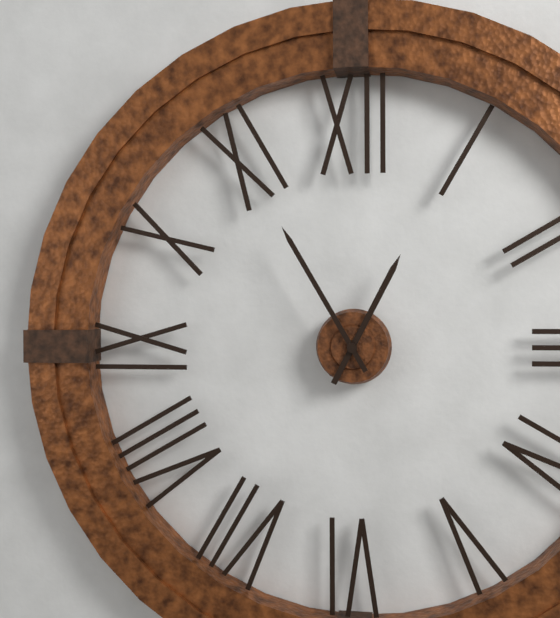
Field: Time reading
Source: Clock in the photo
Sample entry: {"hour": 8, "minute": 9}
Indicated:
{"hour": 12, "minute": 55}
